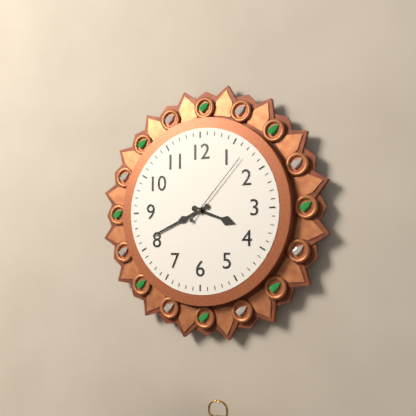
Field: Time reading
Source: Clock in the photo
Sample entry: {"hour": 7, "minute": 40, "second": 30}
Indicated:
{"hour": 3, "minute": 41, "second": 7}
